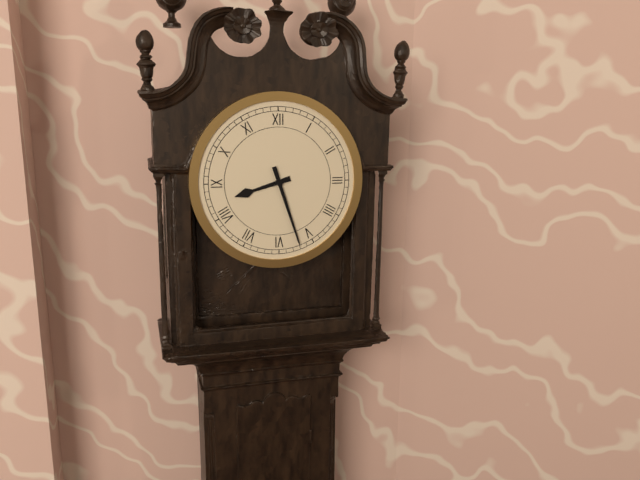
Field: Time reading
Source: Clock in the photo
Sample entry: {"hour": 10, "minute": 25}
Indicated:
{"hour": 8, "minute": 27}
